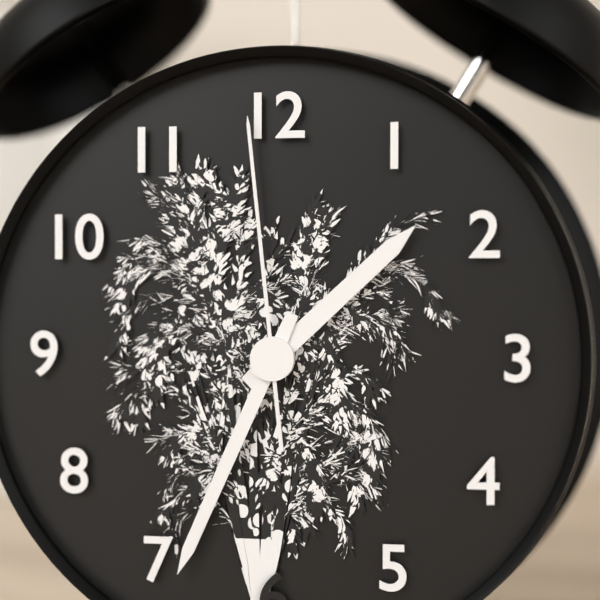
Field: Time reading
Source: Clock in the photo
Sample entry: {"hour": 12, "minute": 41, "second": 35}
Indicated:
{"hour": 1, "minute": 34, "second": 59}
